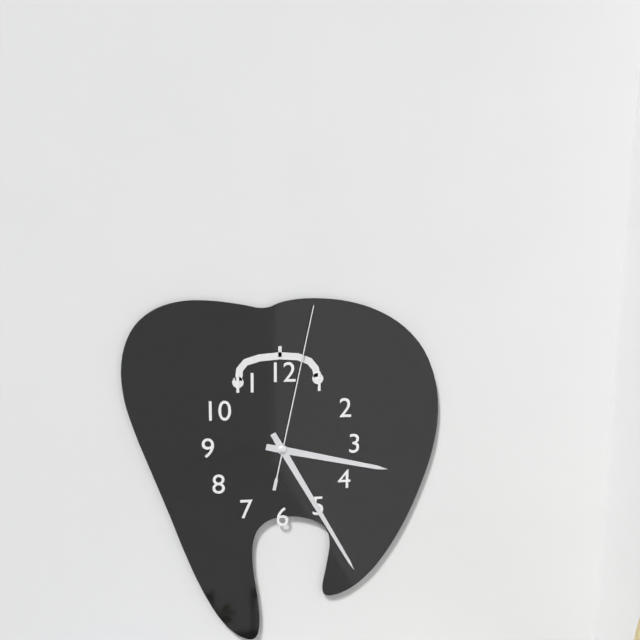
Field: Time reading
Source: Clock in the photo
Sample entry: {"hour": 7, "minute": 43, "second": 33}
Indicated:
{"hour": 3, "minute": 25, "second": 2}
